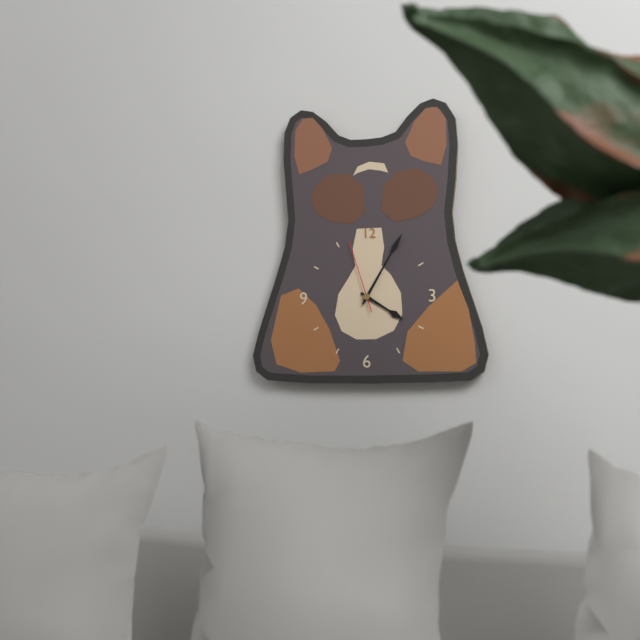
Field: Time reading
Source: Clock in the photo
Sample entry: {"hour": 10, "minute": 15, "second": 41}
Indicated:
{"hour": 4, "minute": 5, "second": 57}
